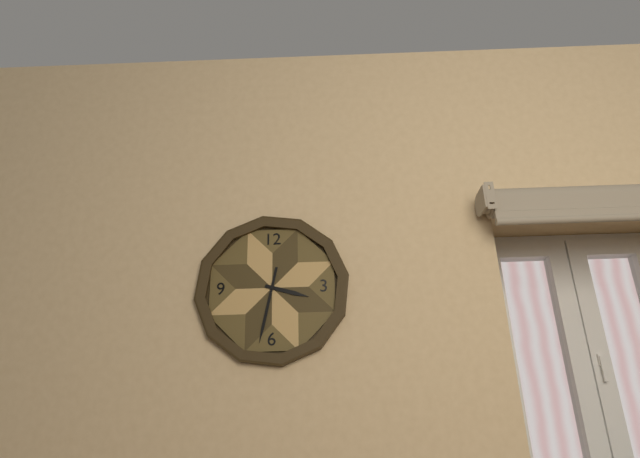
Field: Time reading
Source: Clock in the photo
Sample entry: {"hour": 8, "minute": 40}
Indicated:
{"hour": 3, "minute": 32}
